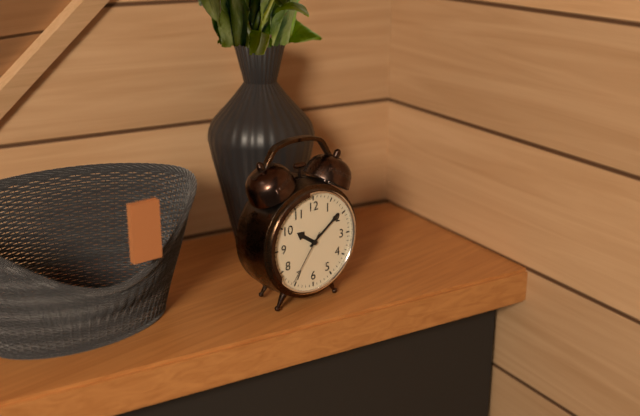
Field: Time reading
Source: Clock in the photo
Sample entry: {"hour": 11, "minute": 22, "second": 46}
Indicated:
{"hour": 10, "minute": 9, "second": 36}
